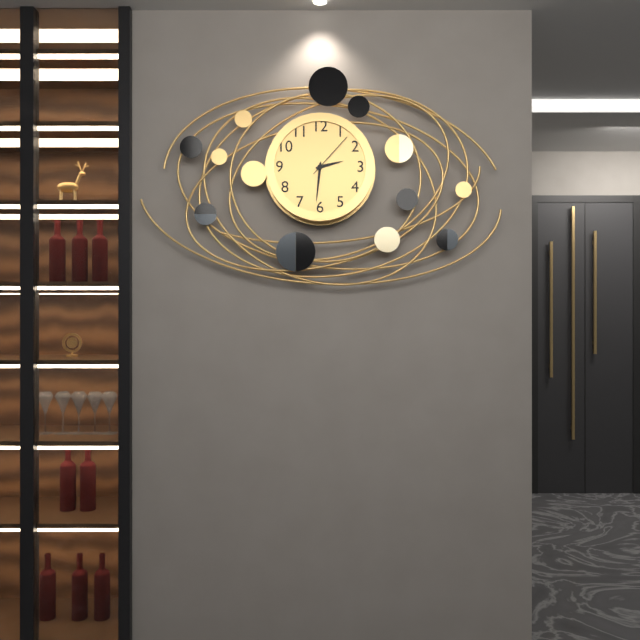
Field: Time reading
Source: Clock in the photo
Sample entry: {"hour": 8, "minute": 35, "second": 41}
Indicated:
{"hour": 2, "minute": 31, "second": 7}
